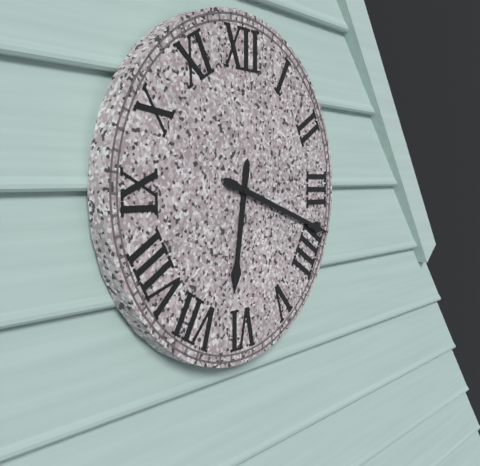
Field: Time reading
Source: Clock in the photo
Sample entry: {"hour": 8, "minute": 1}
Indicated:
{"hour": 6, "minute": 18}
